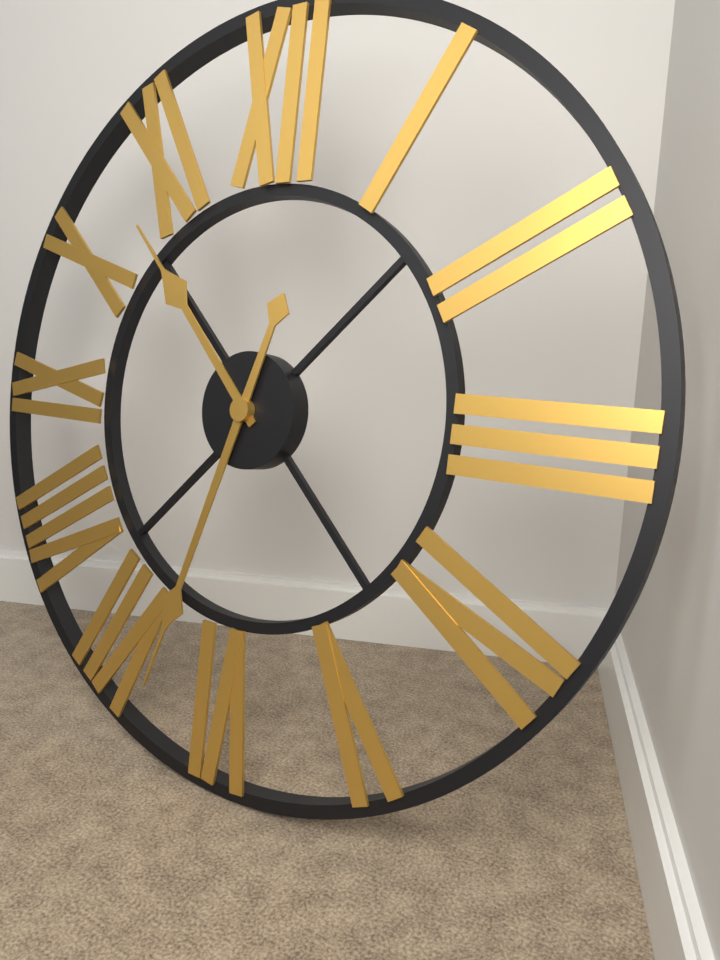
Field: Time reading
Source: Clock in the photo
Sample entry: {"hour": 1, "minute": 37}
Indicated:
{"hour": 10, "minute": 33}
